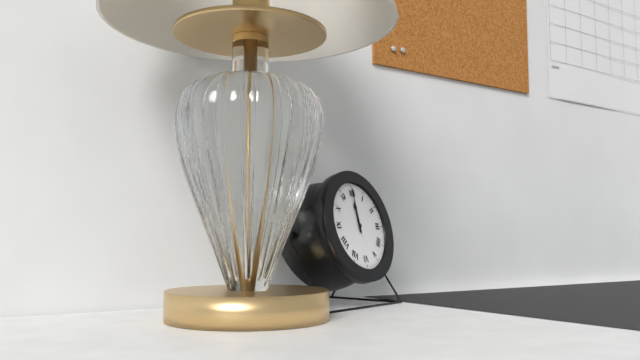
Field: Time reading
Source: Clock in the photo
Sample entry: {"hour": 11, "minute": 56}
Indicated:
{"hour": 12, "minute": 0}
